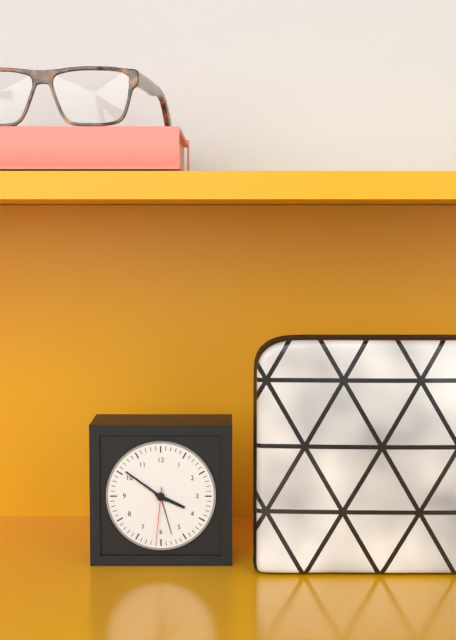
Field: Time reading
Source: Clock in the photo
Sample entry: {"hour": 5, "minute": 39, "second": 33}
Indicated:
{"hour": 3, "minute": 51, "second": 31}
